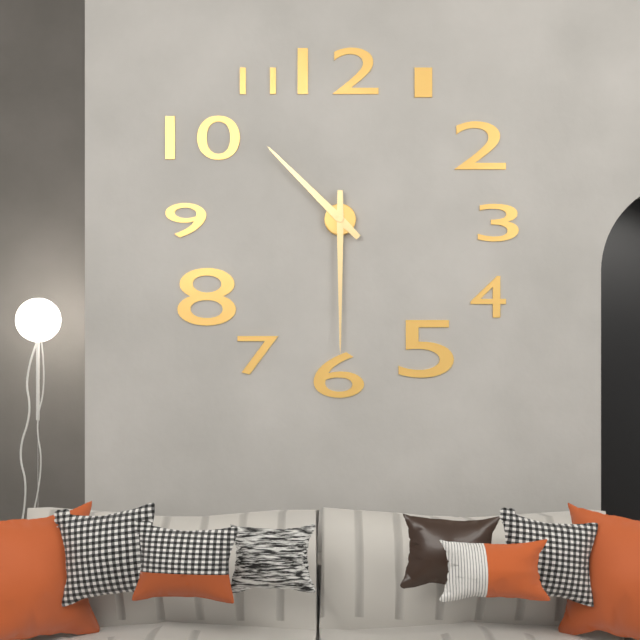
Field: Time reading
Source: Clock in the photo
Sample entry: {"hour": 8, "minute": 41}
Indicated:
{"hour": 10, "minute": 30}
